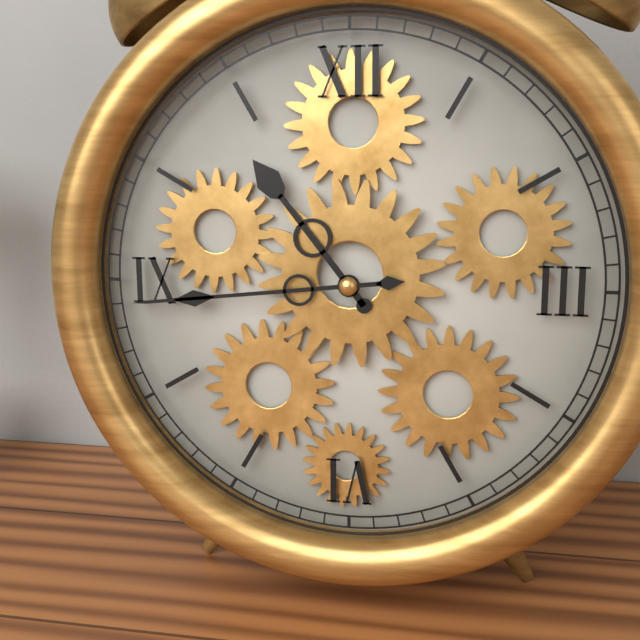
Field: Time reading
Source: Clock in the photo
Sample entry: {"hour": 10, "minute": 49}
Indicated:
{"hour": 10, "minute": 44}
